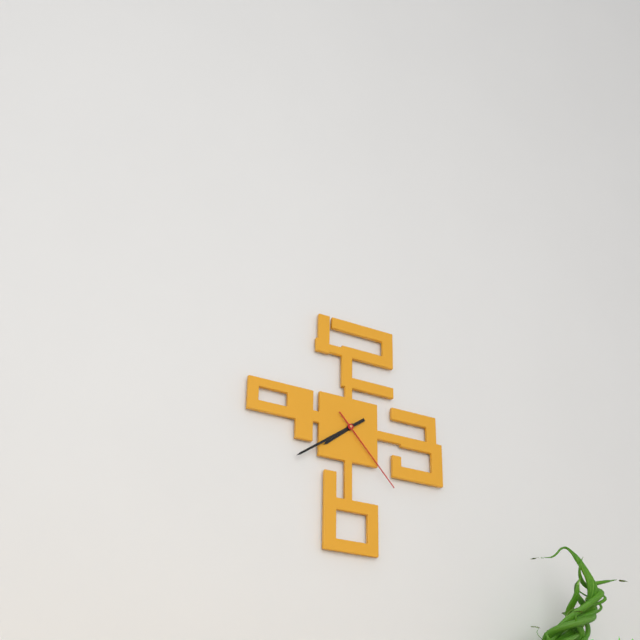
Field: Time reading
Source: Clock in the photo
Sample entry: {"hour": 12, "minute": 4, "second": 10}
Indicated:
{"hour": 7, "minute": 39, "second": 23}
